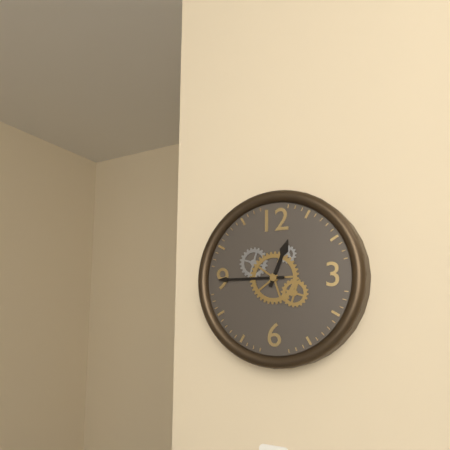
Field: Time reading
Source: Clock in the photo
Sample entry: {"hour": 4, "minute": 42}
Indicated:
{"hour": 12, "minute": 45}
